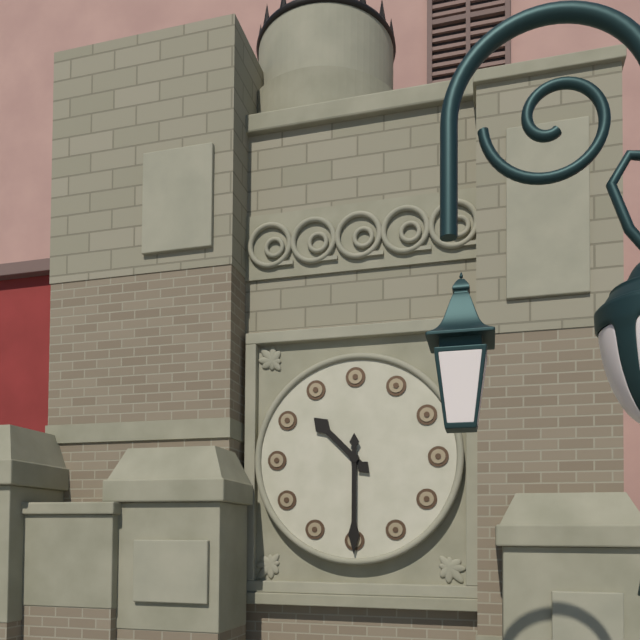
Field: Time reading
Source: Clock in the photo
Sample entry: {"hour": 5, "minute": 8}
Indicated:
{"hour": 10, "minute": 30}
